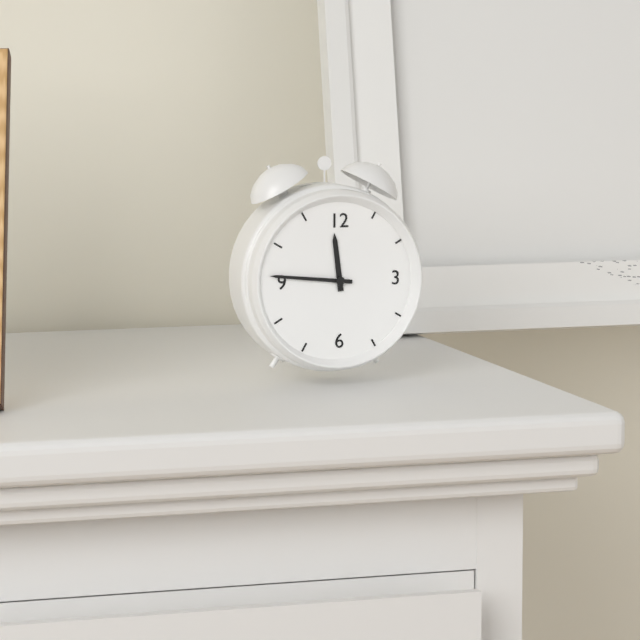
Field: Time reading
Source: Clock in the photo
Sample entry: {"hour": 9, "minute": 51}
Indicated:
{"hour": 11, "minute": 46}
